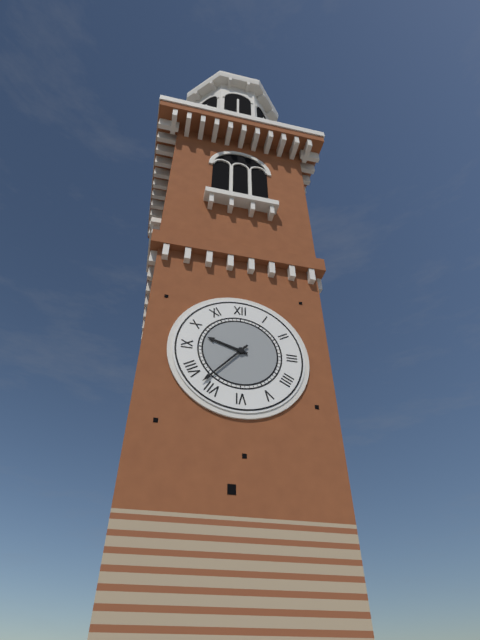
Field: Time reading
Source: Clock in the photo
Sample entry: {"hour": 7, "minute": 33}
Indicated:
{"hour": 9, "minute": 37}
